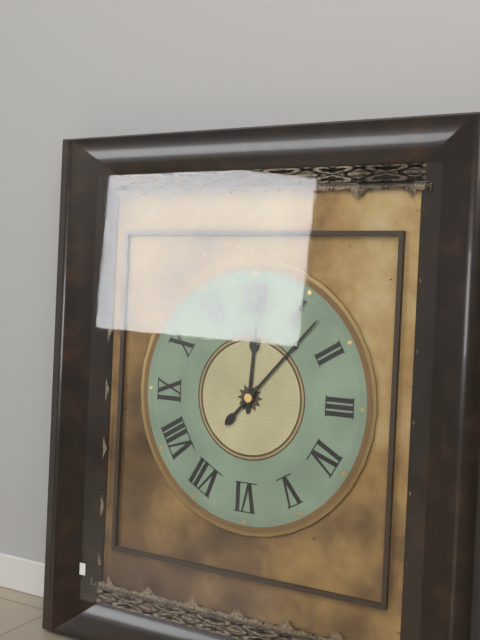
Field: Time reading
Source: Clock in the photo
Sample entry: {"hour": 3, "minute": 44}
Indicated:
{"hour": 12, "minute": 7}
